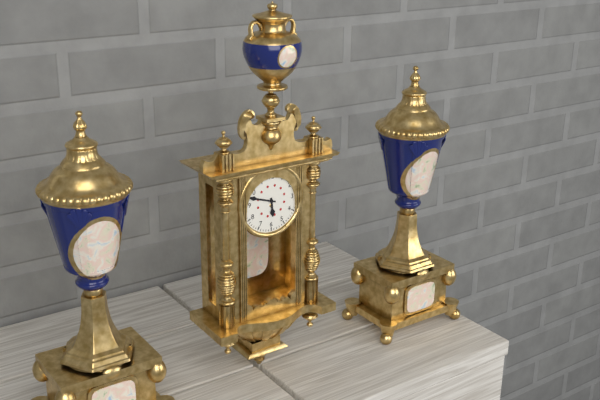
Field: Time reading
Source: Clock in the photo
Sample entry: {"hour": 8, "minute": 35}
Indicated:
{"hour": 5, "minute": 48}
